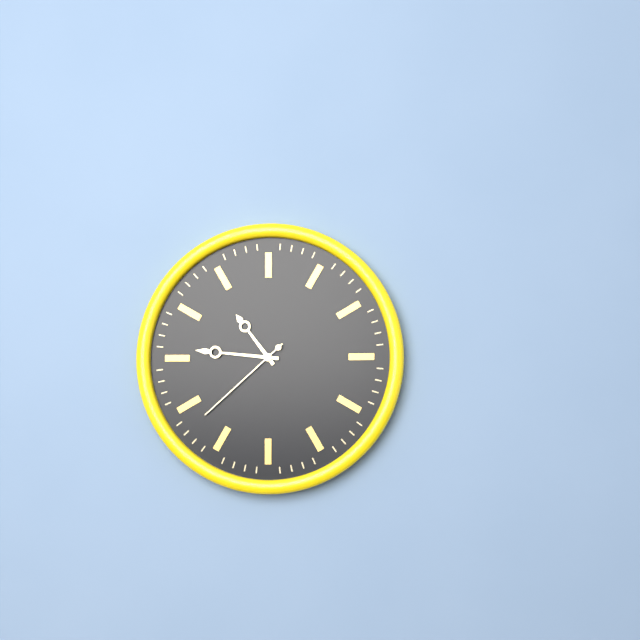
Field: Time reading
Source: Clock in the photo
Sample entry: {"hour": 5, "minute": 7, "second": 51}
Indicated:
{"hour": 10, "minute": 46, "second": 38}
